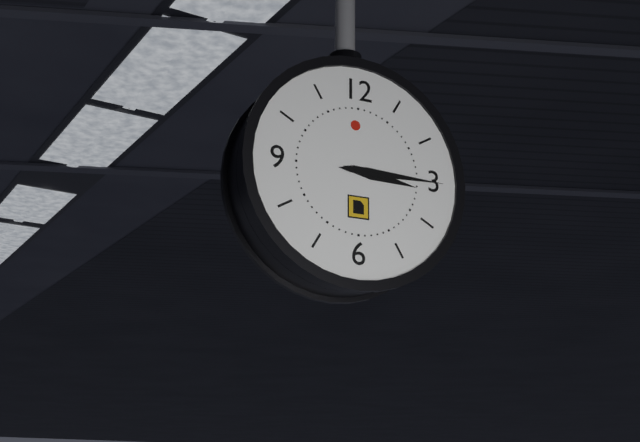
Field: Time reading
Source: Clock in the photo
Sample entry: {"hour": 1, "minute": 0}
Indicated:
{"hour": 3, "minute": 15}
